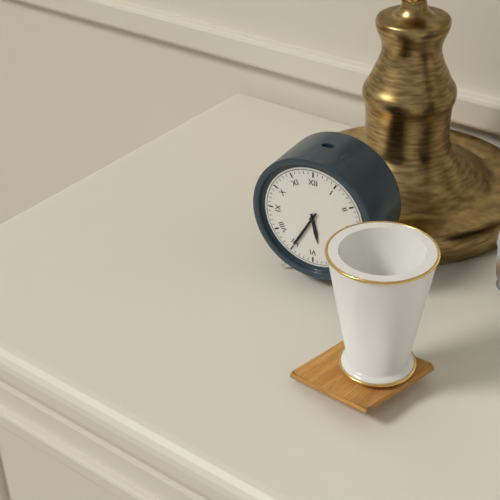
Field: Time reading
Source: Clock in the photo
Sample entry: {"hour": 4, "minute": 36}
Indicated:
{"hour": 5, "minute": 35}
